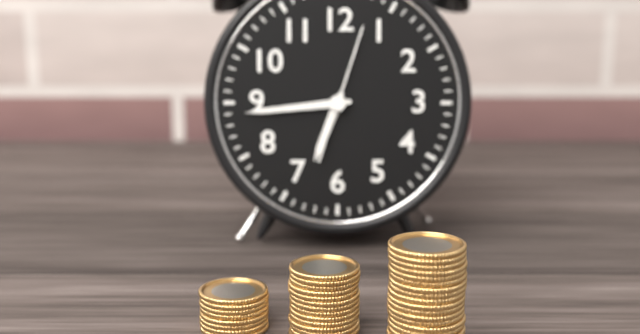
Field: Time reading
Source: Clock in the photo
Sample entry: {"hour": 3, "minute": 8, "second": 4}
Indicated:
{"hour": 6, "minute": 44, "second": 3}
